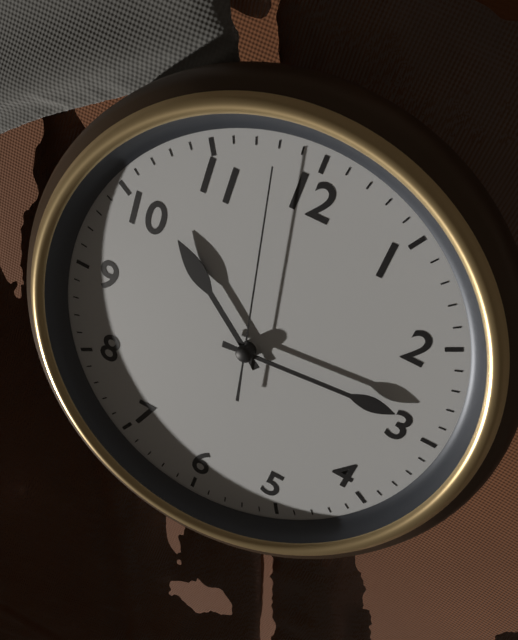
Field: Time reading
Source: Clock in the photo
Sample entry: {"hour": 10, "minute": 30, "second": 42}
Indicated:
{"hour": 10, "minute": 14, "second": 58}
